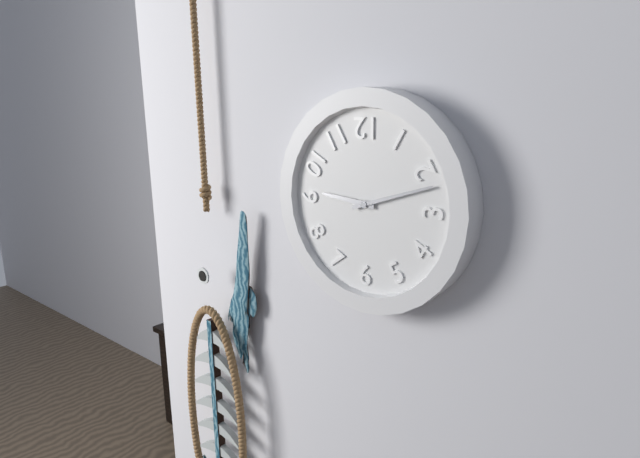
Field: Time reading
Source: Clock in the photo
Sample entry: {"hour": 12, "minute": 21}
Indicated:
{"hour": 9, "minute": 12}
